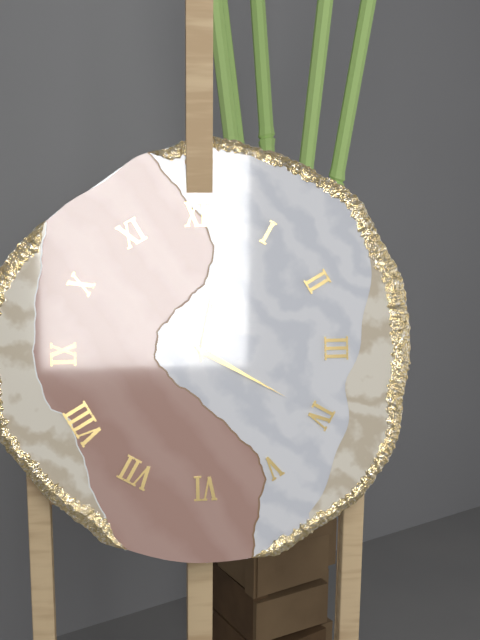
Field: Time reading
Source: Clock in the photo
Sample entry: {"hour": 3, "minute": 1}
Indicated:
{"hour": 12, "minute": 20}
